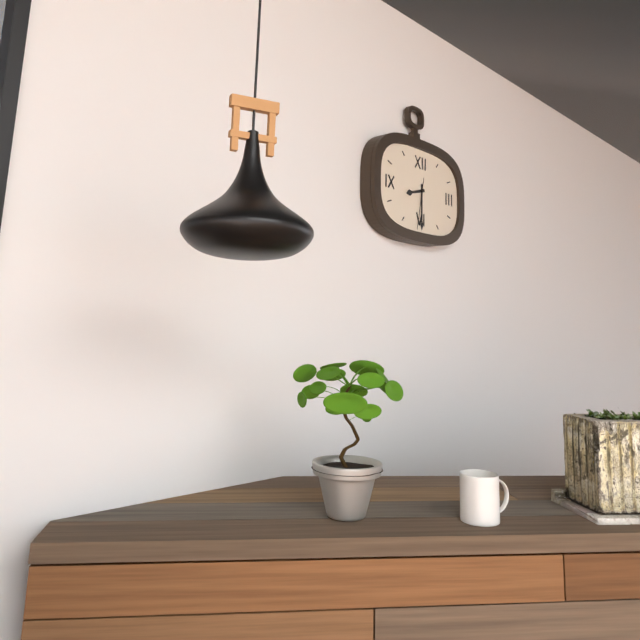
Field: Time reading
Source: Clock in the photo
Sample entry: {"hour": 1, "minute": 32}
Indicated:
{"hour": 8, "minute": 30}
